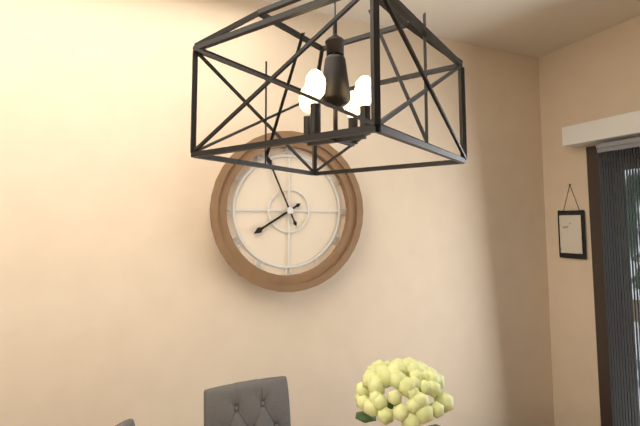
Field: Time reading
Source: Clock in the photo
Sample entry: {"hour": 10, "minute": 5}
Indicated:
{"hour": 7, "minute": 56}
